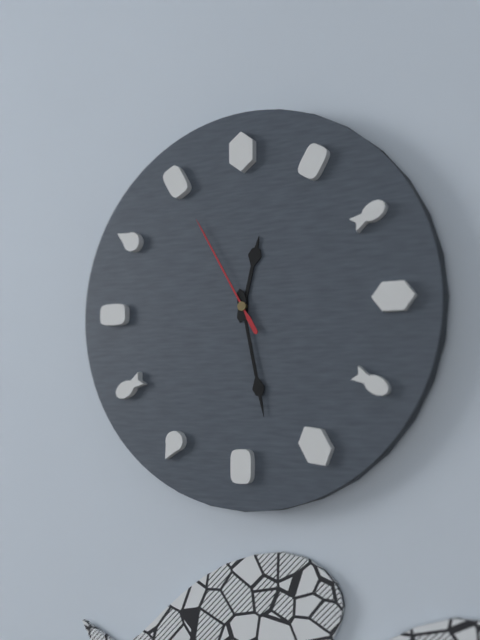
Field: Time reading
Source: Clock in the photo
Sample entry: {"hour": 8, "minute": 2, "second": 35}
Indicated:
{"hour": 12, "minute": 28, "second": 55}
